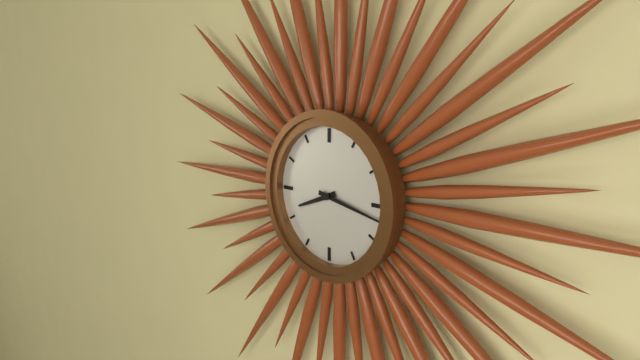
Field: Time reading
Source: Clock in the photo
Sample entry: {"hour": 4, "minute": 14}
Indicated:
{"hour": 8, "minute": 17}
